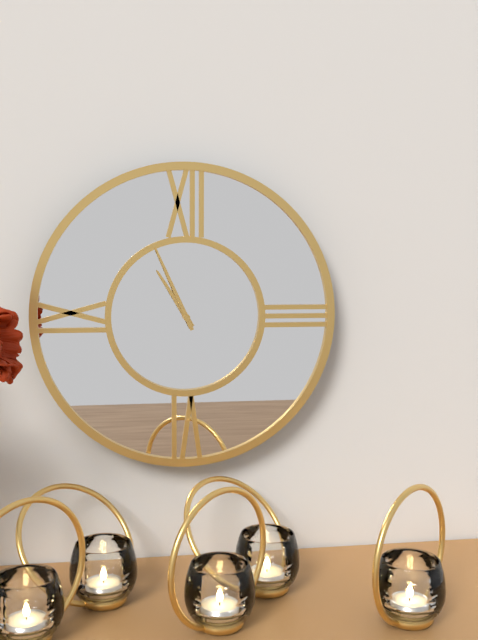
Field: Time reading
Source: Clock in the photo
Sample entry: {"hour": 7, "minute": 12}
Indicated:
{"hour": 10, "minute": 56}
